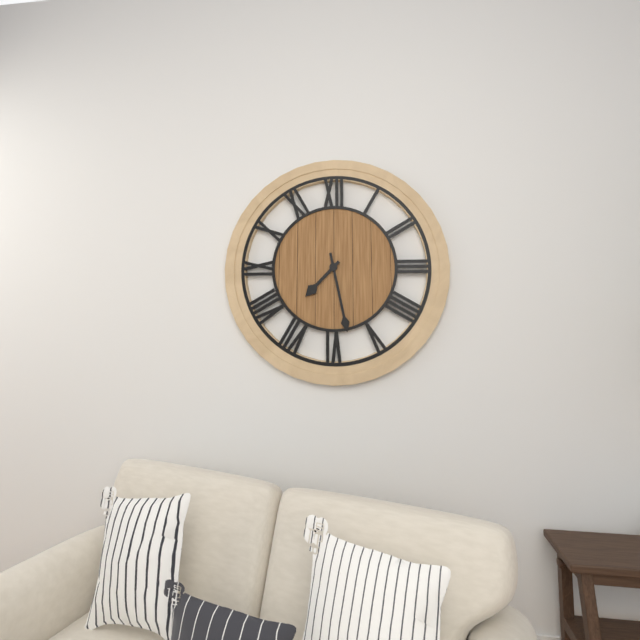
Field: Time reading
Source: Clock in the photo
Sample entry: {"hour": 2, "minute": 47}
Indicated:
{"hour": 7, "minute": 28}
